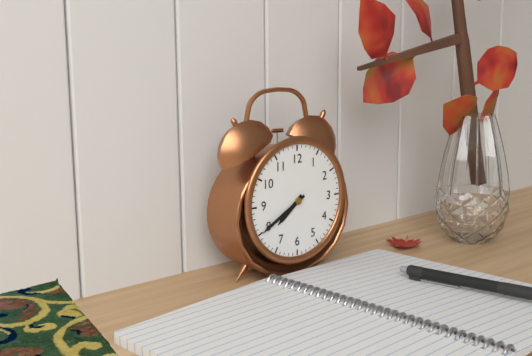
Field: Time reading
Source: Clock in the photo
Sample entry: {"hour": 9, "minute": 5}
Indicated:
{"hour": 7, "minute": 40}
